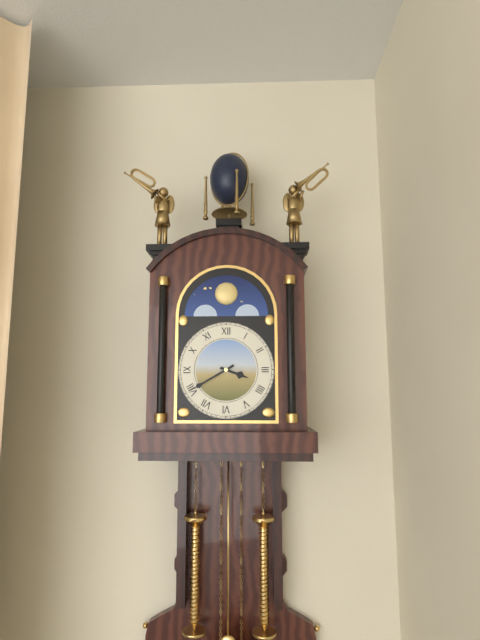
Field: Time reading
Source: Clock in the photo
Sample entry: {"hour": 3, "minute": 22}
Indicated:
{"hour": 3, "minute": 40}
